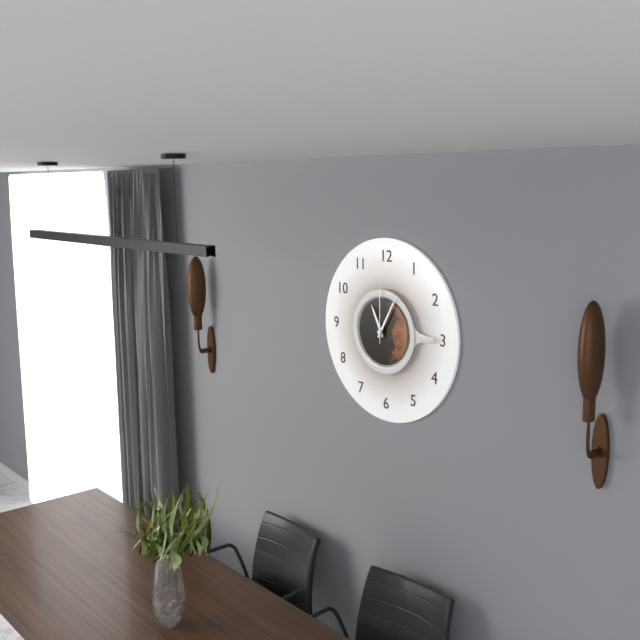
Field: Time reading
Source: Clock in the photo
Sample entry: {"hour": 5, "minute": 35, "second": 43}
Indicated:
{"hour": 11, "minute": 5, "second": 0}
